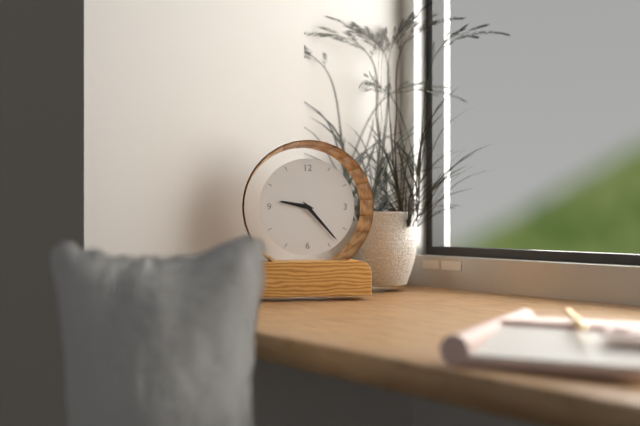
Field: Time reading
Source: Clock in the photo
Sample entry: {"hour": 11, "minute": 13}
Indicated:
{"hour": 9, "minute": 23}
